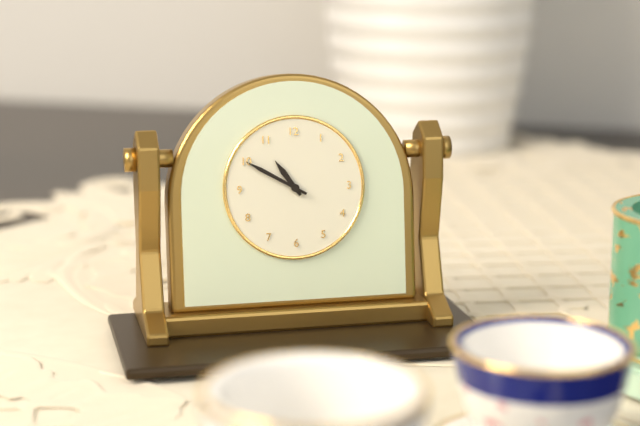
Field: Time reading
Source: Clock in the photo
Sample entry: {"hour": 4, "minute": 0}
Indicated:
{"hour": 10, "minute": 50}
